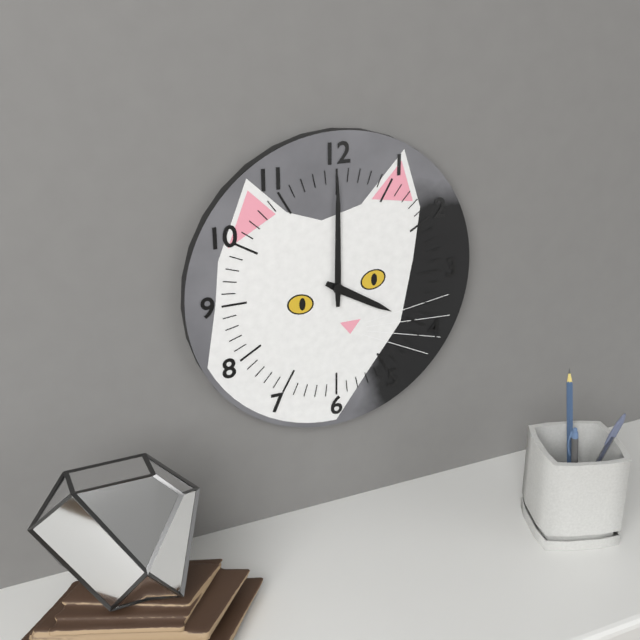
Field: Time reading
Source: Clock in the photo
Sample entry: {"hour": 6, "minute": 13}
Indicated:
{"hour": 4, "minute": 0}
